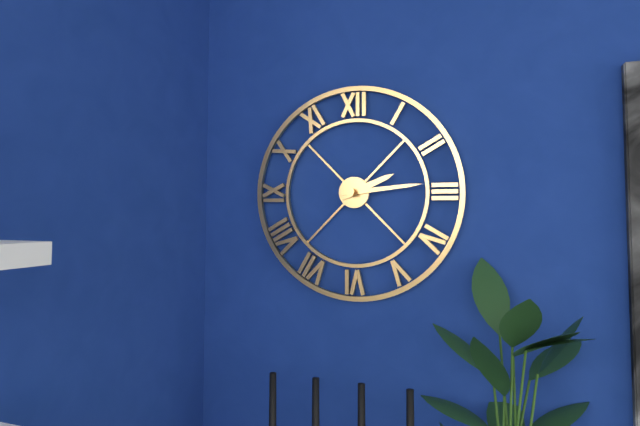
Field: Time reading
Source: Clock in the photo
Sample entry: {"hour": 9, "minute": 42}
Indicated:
{"hour": 2, "minute": 14}
